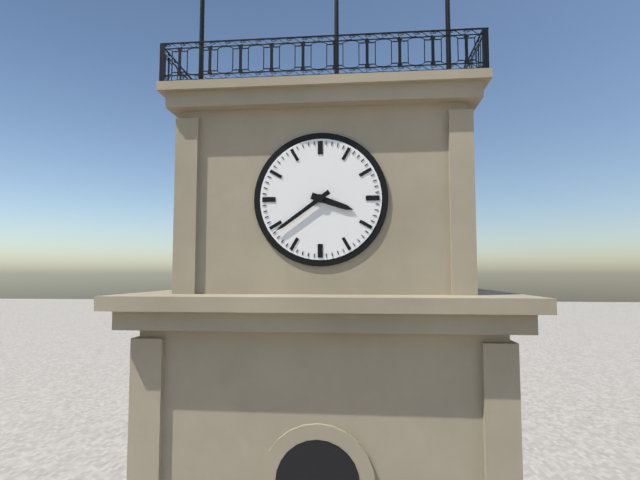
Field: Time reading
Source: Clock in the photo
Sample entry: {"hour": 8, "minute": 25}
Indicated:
{"hour": 3, "minute": 39}
